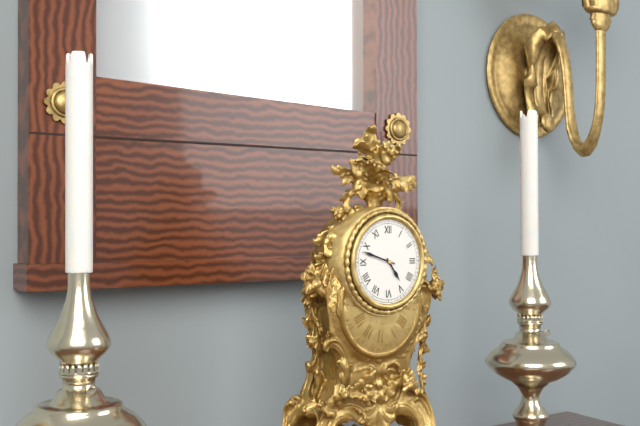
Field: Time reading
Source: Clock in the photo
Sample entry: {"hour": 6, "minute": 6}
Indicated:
{"hour": 4, "minute": 48}
